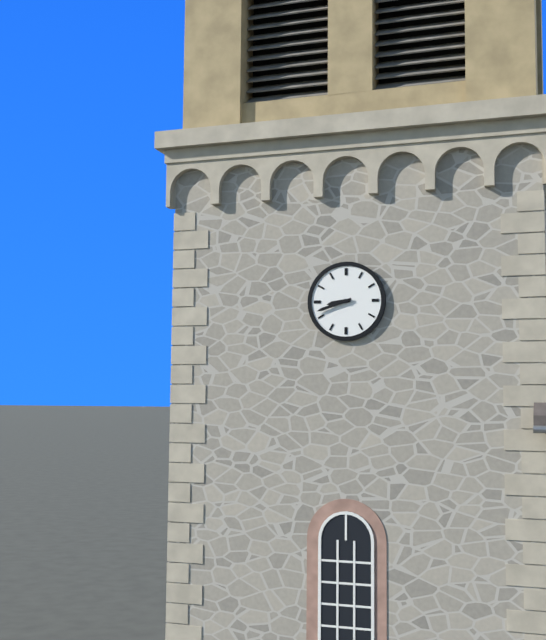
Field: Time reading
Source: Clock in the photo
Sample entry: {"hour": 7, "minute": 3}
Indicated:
{"hour": 8, "minute": 42}
